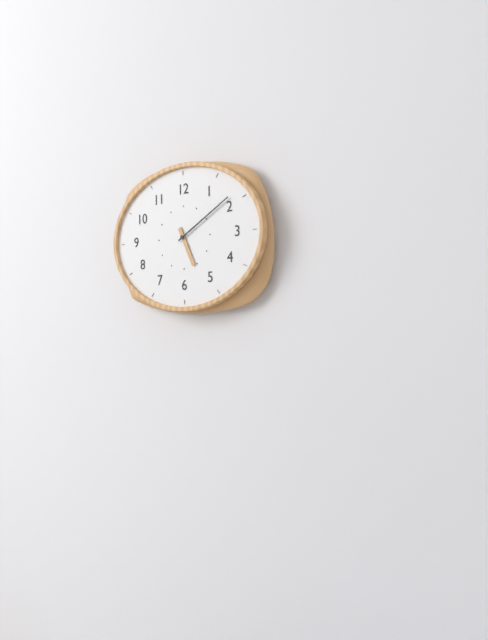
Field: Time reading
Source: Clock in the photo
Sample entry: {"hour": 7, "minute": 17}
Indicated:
{"hour": 5, "minute": 10}
